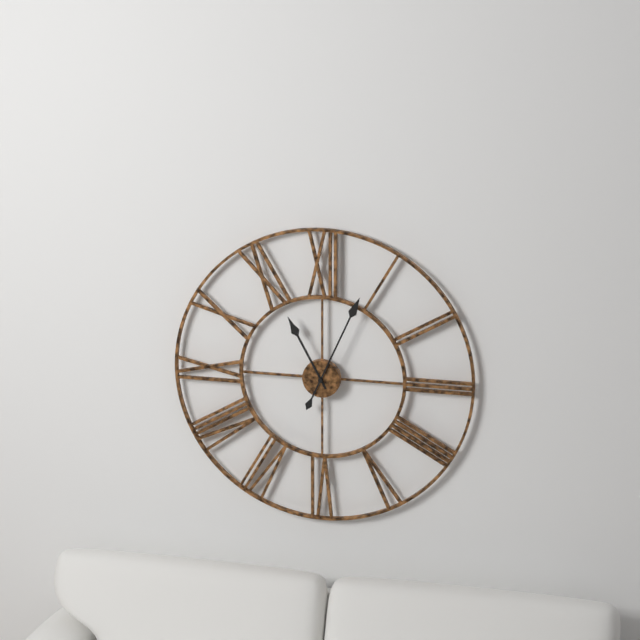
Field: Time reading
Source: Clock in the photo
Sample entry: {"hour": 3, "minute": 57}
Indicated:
{"hour": 11, "minute": 4}
